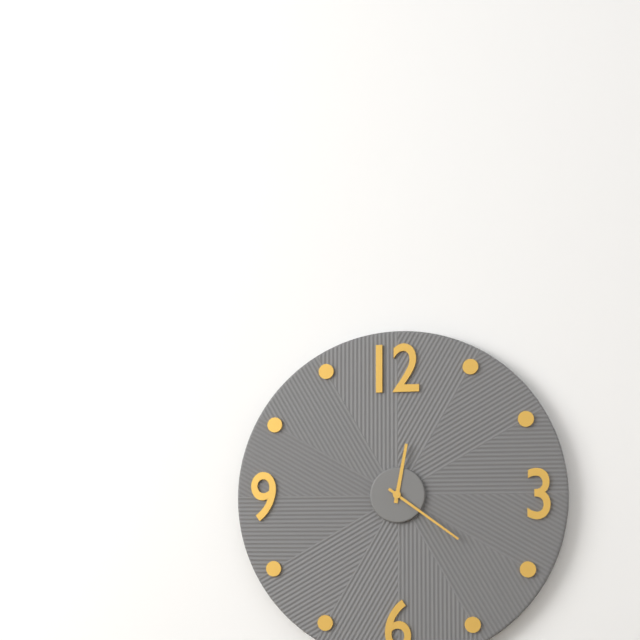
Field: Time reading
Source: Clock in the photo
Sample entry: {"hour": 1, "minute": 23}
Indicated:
{"hour": 12, "minute": 21}
